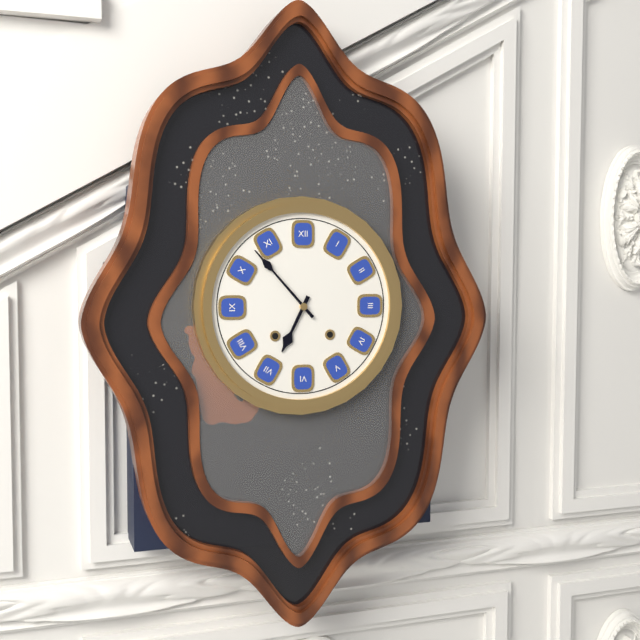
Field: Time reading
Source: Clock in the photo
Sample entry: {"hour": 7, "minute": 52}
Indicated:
{"hour": 6, "minute": 53}
